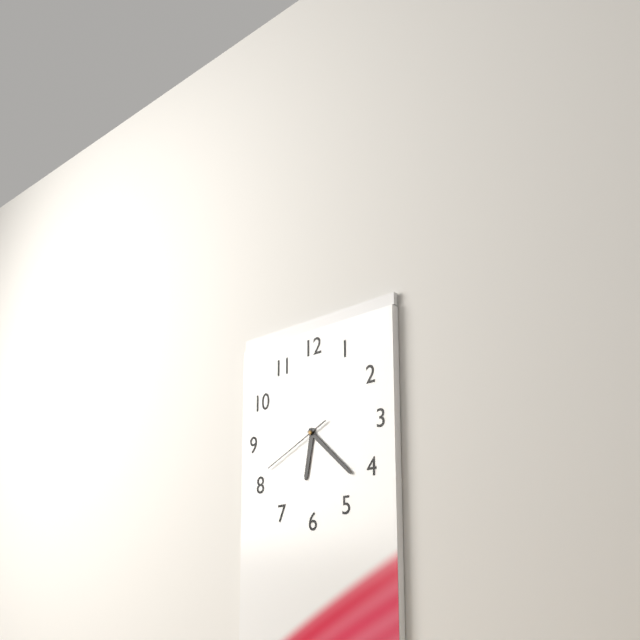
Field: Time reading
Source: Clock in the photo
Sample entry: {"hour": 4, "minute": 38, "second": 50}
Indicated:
{"hour": 6, "minute": 22, "second": 41}
